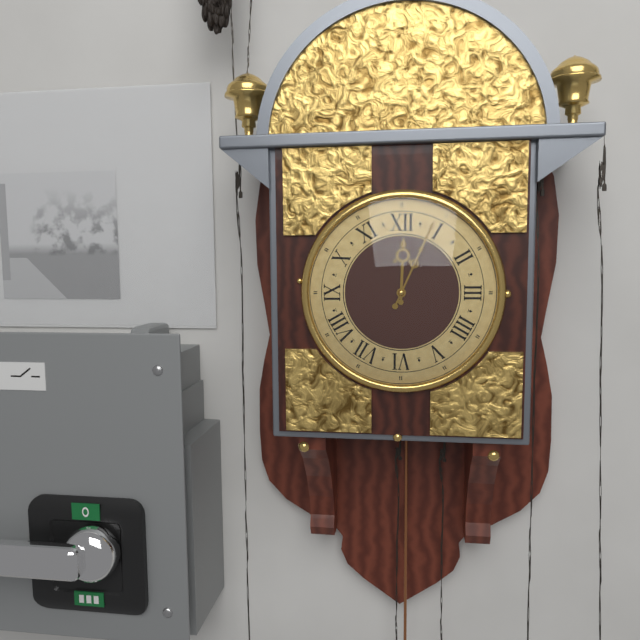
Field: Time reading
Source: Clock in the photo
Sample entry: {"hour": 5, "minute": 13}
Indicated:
{"hour": 12, "minute": 4}
